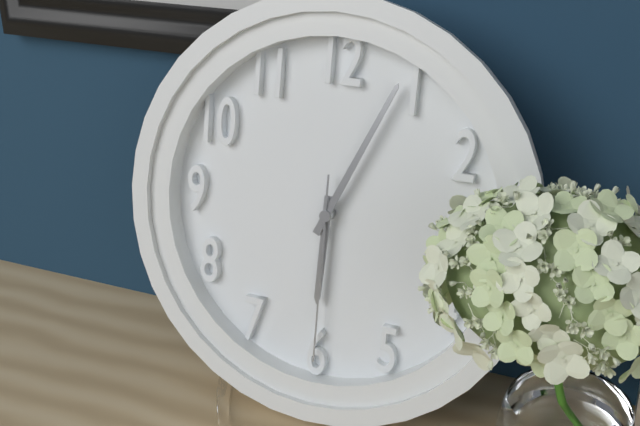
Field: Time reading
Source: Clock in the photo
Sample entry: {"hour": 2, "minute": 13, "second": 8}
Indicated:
{"hour": 6, "minute": 4, "second": 30}
